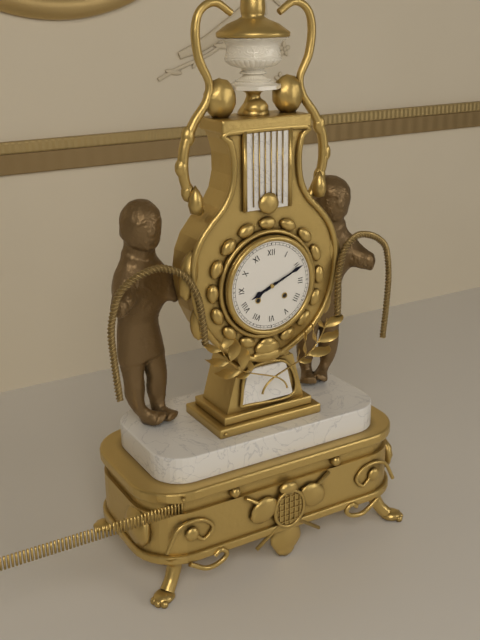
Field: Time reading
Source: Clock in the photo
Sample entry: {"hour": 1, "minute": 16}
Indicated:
{"hour": 8, "minute": 11}
